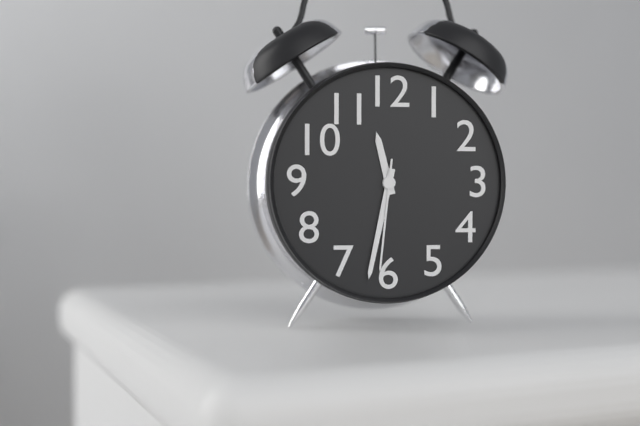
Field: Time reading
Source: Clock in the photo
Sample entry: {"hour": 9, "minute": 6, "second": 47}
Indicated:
{"hour": 11, "minute": 32, "second": 31}
